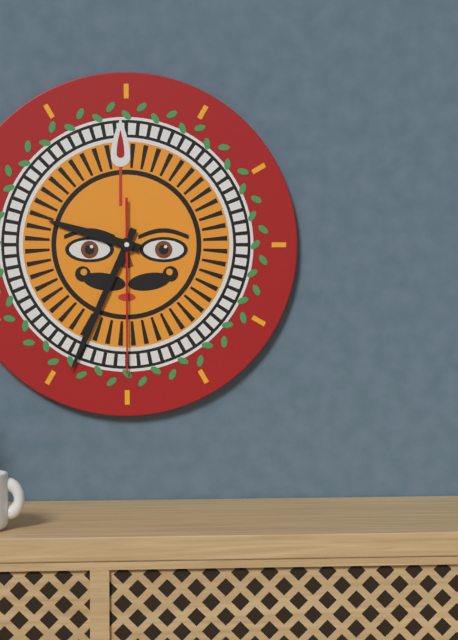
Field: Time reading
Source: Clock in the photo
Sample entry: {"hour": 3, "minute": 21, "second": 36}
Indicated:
{"hour": 9, "minute": 34, "second": 30}
